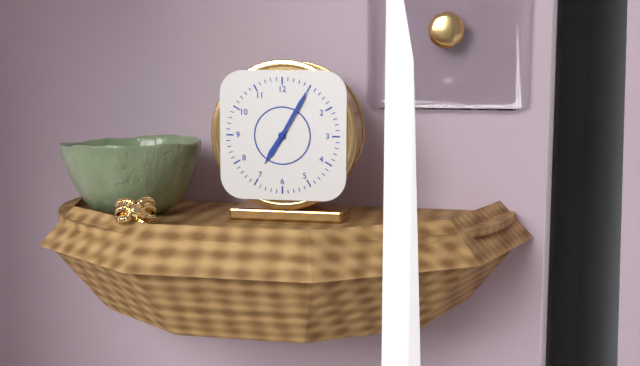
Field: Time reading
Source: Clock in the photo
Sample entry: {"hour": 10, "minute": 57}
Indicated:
{"hour": 7, "minute": 5}
